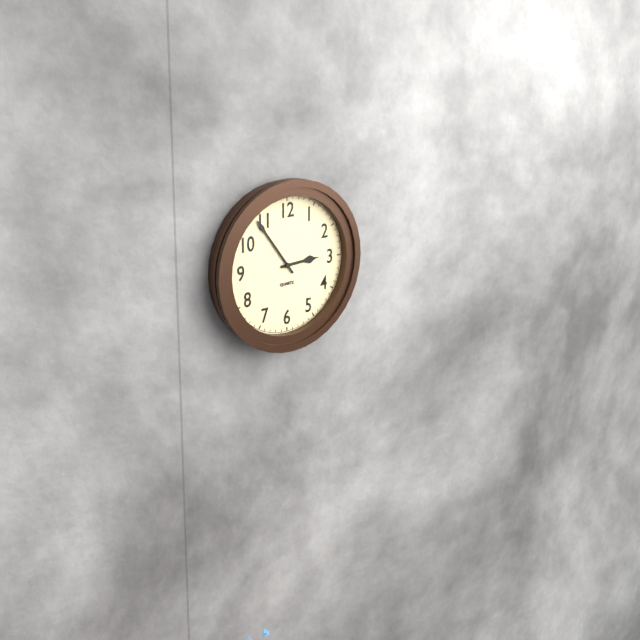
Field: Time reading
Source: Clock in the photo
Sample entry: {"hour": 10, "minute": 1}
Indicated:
{"hour": 2, "minute": 54}
